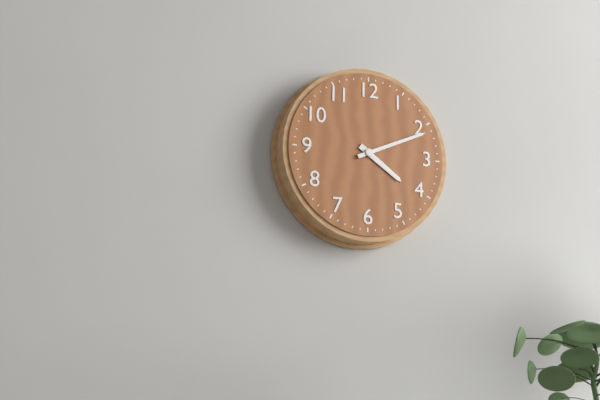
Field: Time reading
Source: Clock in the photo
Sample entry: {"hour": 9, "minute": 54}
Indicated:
{"hour": 4, "minute": 11}
